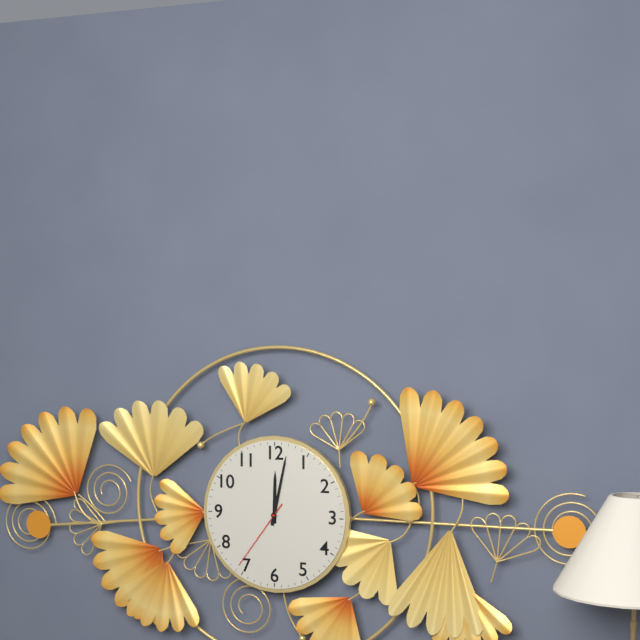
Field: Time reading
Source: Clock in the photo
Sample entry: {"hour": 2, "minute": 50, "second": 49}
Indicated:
{"hour": 12, "minute": 2, "second": 36}
